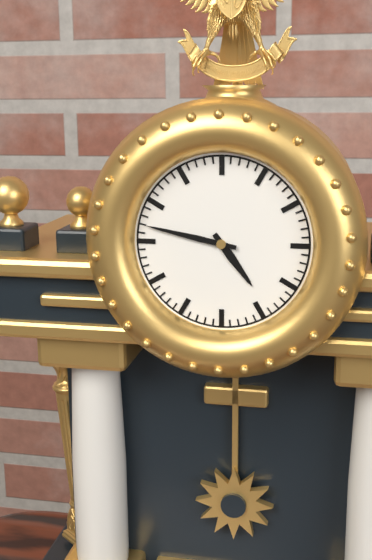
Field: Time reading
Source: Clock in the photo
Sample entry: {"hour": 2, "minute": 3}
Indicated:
{"hour": 4, "minute": 47}
